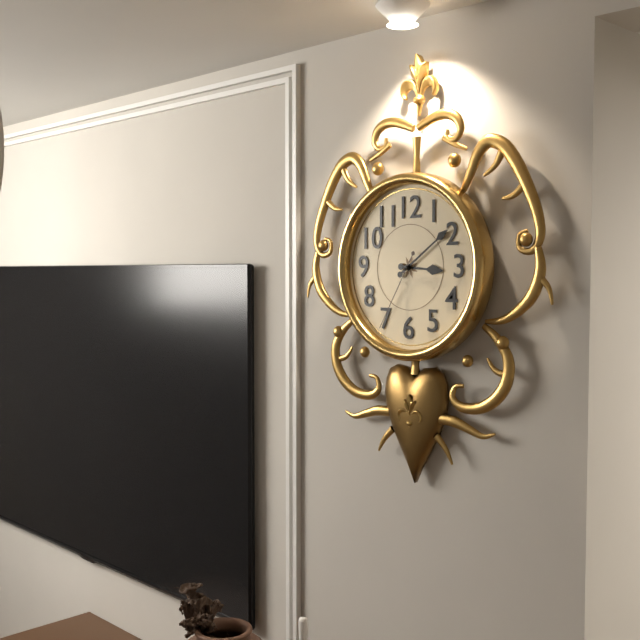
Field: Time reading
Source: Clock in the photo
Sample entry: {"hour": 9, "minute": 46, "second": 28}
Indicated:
{"hour": 3, "minute": 9, "second": 35}
